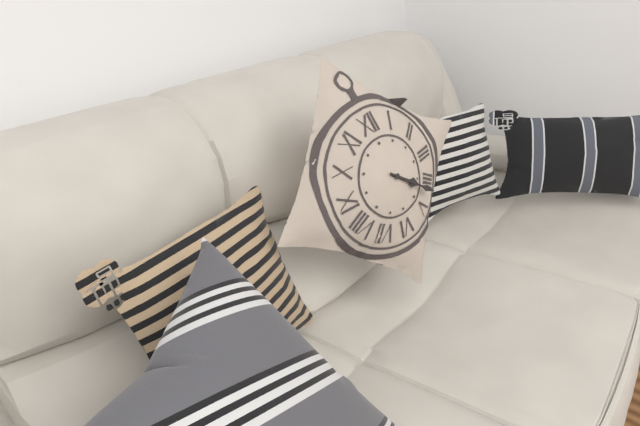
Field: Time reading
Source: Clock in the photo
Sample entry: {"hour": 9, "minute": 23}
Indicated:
{"hour": 4, "minute": 22}
